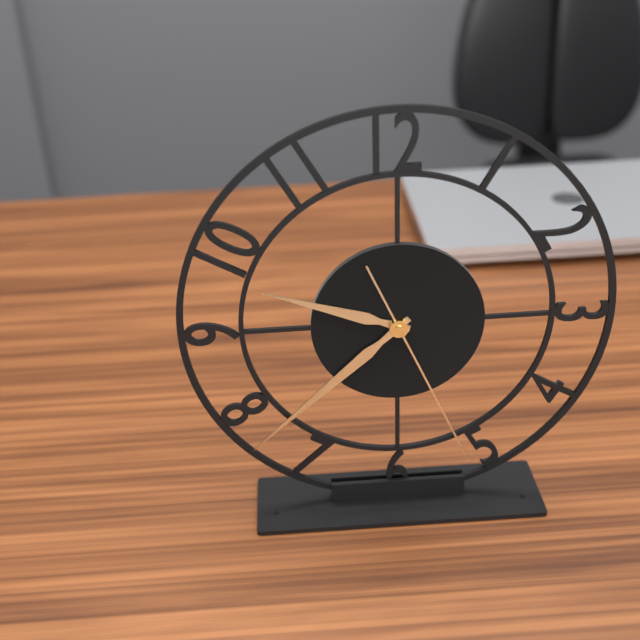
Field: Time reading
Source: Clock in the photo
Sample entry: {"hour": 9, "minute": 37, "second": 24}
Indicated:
{"hour": 9, "minute": 38, "second": 26}
